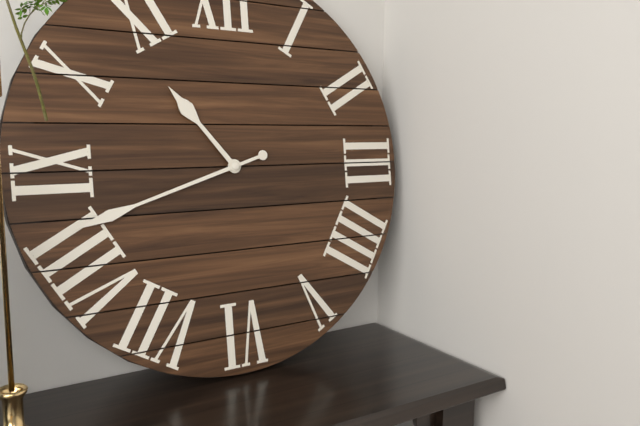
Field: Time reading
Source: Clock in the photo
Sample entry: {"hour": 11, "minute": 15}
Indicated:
{"hour": 10, "minute": 42}
